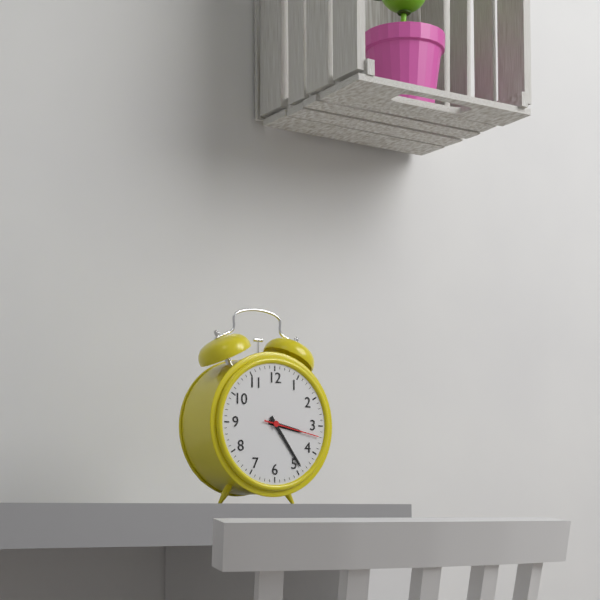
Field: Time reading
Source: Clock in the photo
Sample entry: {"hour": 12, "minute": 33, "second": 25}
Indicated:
{"hour": 3, "minute": 24, "second": 17}
